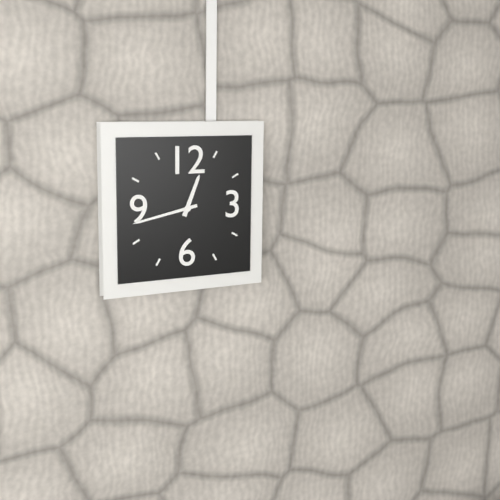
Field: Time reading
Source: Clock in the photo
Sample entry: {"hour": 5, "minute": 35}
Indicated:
{"hour": 12, "minute": 43}
